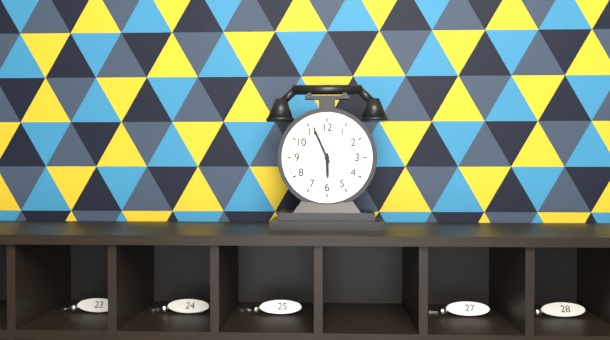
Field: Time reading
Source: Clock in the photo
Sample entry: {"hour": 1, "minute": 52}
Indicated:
{"hour": 5, "minute": 56}
